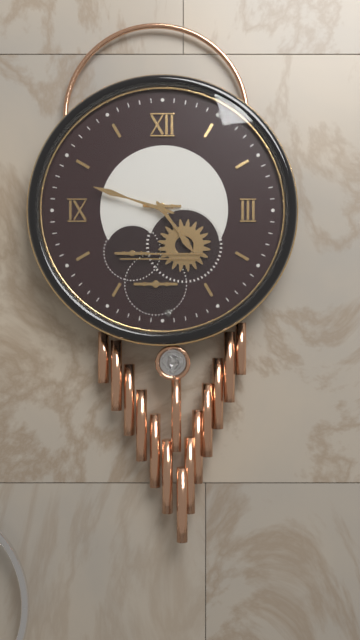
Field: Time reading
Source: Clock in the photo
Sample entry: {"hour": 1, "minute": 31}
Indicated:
{"hour": 4, "minute": 48}
